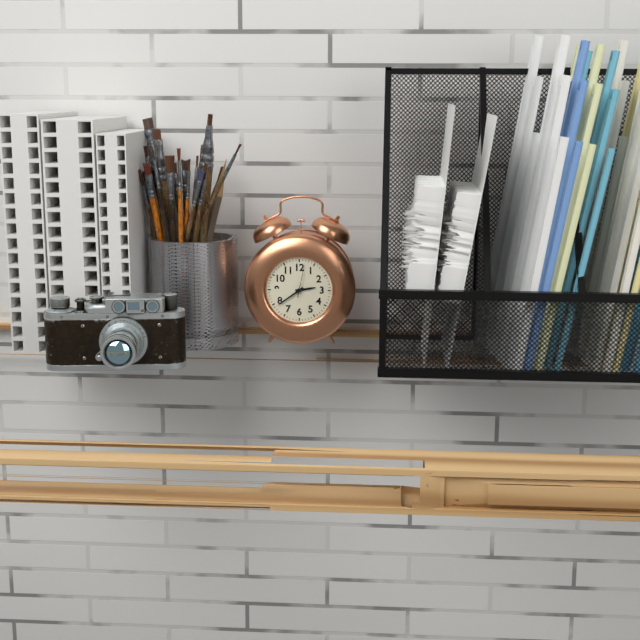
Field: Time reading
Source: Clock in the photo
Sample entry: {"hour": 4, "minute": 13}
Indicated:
{"hour": 2, "minute": 39}
